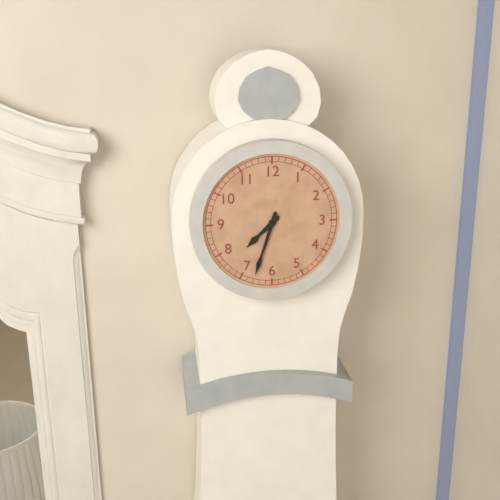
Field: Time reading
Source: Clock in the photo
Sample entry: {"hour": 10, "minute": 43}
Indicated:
{"hour": 7, "minute": 33}
